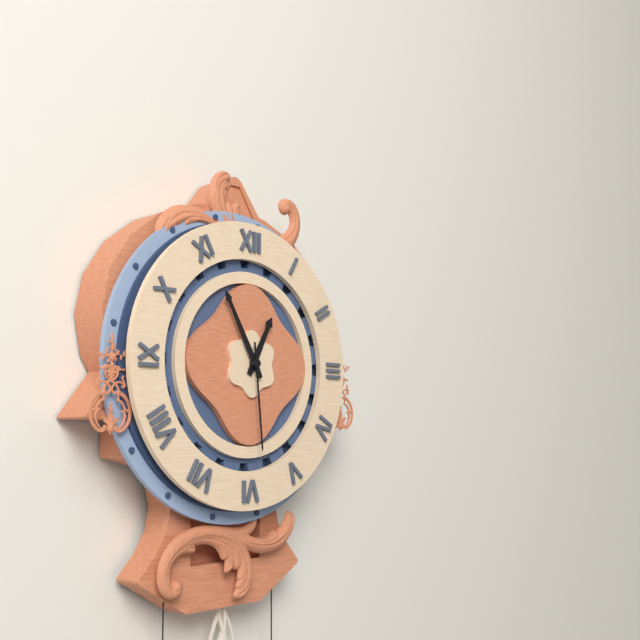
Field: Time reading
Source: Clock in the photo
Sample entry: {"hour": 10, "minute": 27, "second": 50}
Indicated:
{"hour": 12, "minute": 55, "second": 29}
